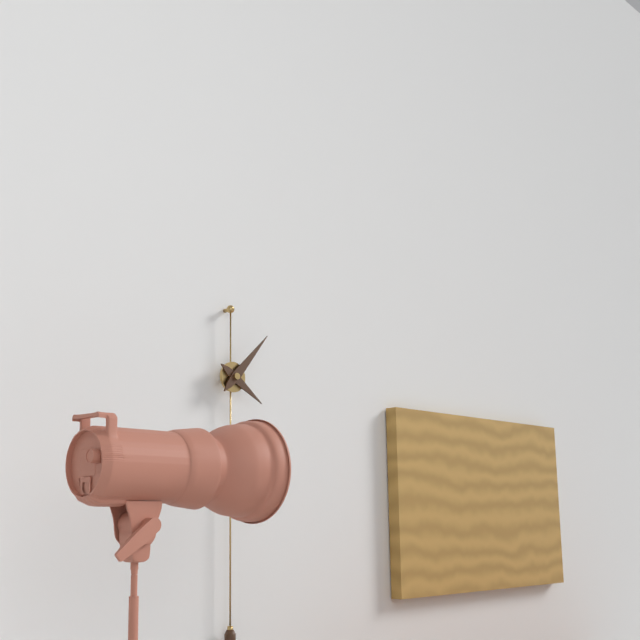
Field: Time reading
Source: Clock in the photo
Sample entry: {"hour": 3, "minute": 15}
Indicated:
{"hour": 4, "minute": 7}
